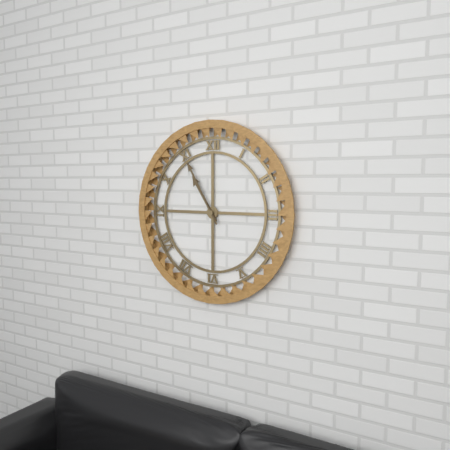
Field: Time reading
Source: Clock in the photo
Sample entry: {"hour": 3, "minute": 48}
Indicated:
{"hour": 10, "minute": 55}
